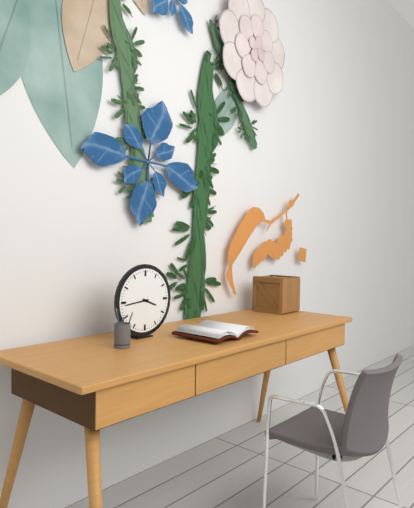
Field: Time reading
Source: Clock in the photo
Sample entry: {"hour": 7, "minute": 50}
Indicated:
{"hour": 3, "minute": 44}
